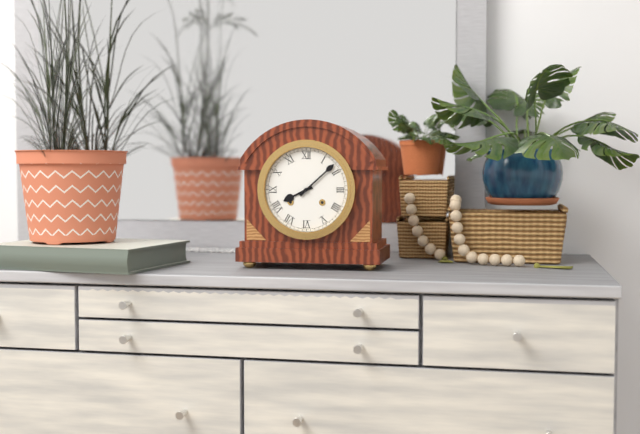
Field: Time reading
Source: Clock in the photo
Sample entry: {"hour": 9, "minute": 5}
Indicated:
{"hour": 8, "minute": 8}
